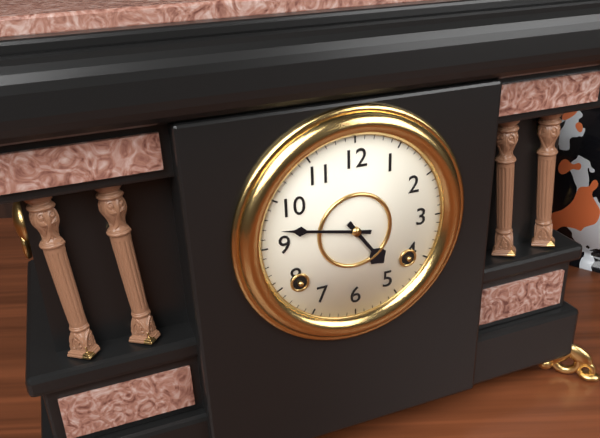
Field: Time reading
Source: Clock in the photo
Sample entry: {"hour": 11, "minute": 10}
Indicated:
{"hour": 4, "minute": 47}
